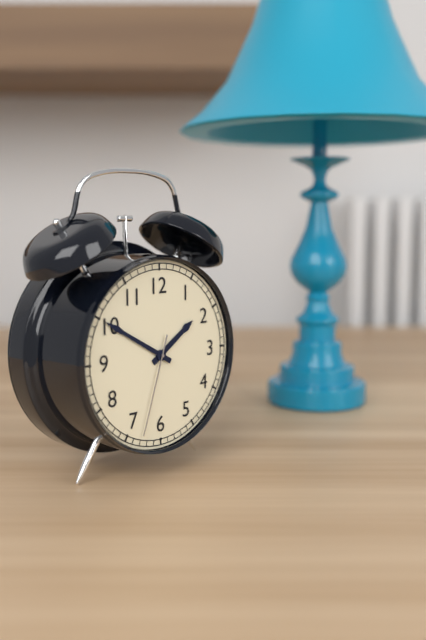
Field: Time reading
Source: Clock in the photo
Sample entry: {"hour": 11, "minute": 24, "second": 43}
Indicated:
{"hour": 1, "minute": 50, "second": 33}
